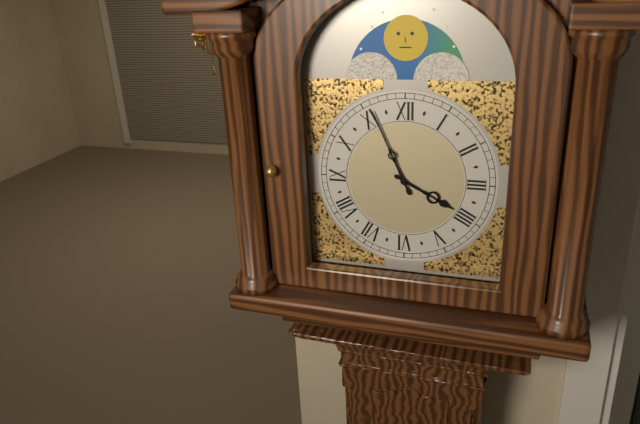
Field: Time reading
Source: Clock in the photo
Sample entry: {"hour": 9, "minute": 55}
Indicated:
{"hour": 3, "minute": 56}
